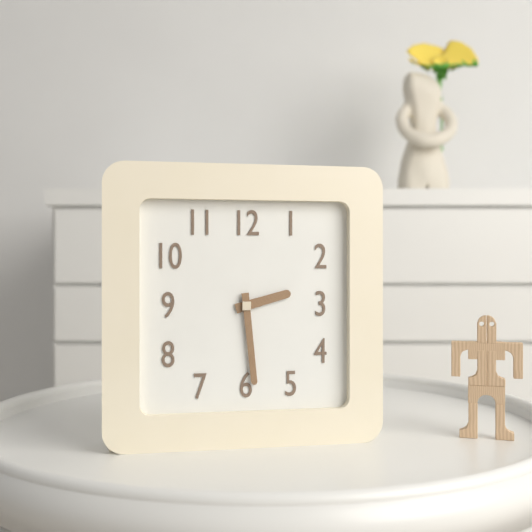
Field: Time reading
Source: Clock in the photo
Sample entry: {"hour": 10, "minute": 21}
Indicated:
{"hour": 2, "minute": 29}
